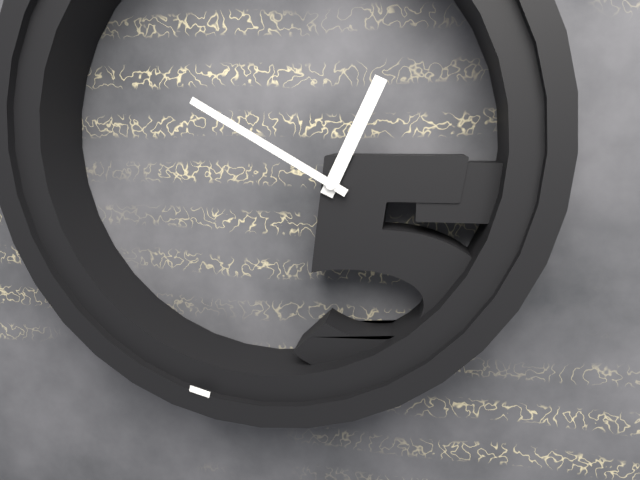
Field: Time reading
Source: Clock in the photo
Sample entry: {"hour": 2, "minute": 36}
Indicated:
{"hour": 12, "minute": 50}
